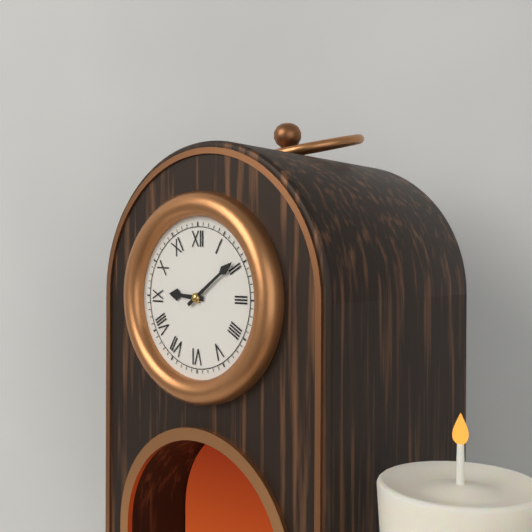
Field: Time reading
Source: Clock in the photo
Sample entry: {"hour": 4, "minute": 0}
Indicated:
{"hour": 9, "minute": 9}
